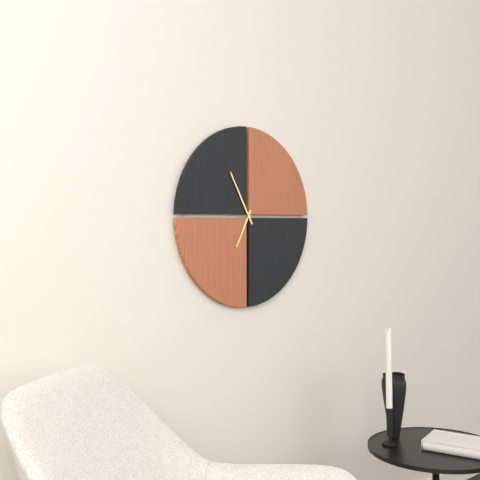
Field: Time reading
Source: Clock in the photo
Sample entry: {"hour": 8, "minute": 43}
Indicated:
{"hour": 6, "minute": 55}
